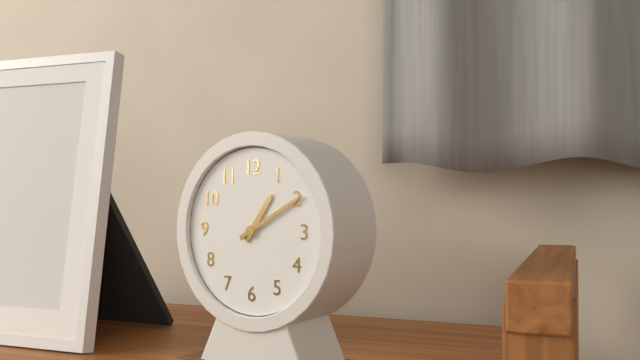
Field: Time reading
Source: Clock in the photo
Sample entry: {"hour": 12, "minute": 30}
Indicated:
{"hour": 1, "minute": 10}
